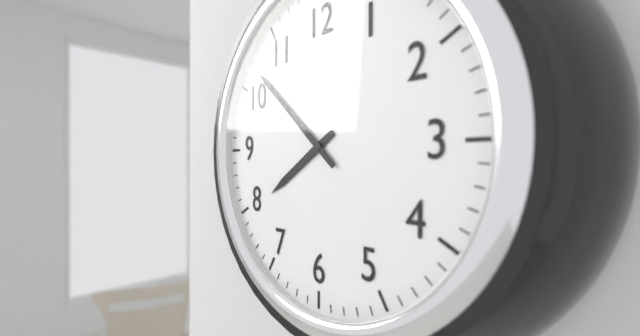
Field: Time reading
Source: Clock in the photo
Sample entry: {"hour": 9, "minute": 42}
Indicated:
{"hour": 7, "minute": 52}
